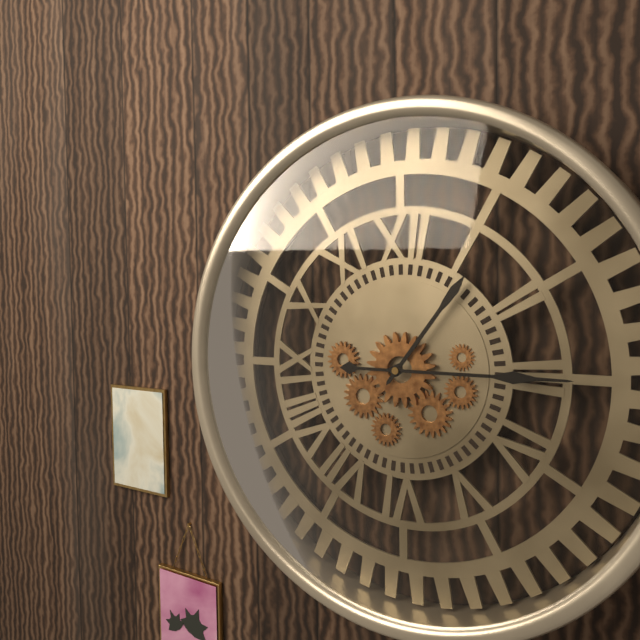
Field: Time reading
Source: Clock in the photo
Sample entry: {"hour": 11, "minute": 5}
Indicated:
{"hour": 1, "minute": 15}
